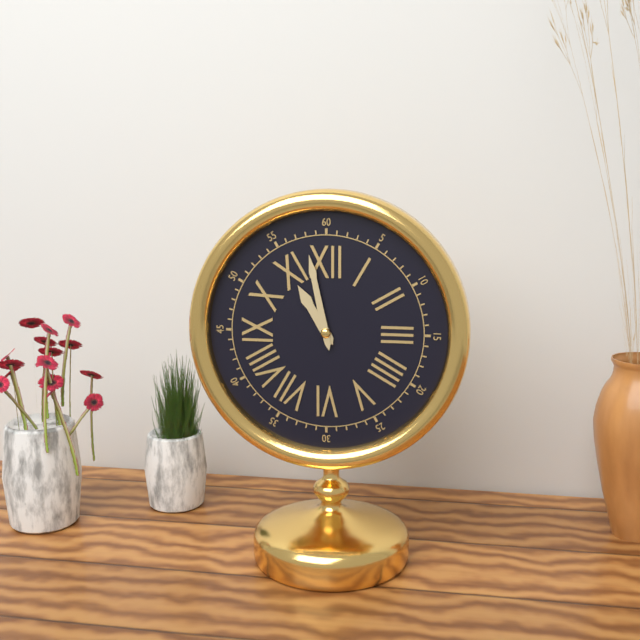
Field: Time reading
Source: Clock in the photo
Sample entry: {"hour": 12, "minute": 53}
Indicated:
{"hour": 10, "minute": 58}
